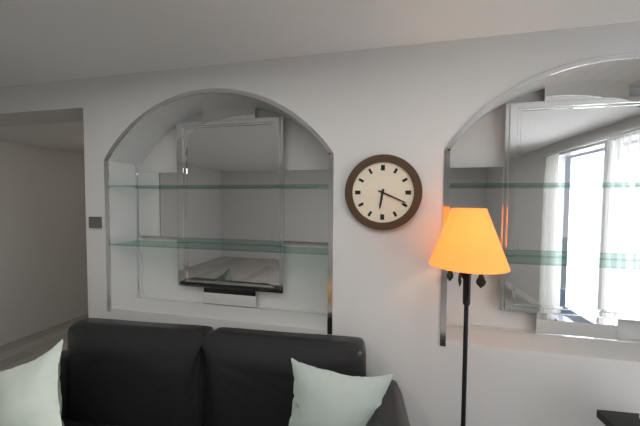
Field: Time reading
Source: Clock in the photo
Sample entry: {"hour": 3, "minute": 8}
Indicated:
{"hour": 6, "minute": 19}
